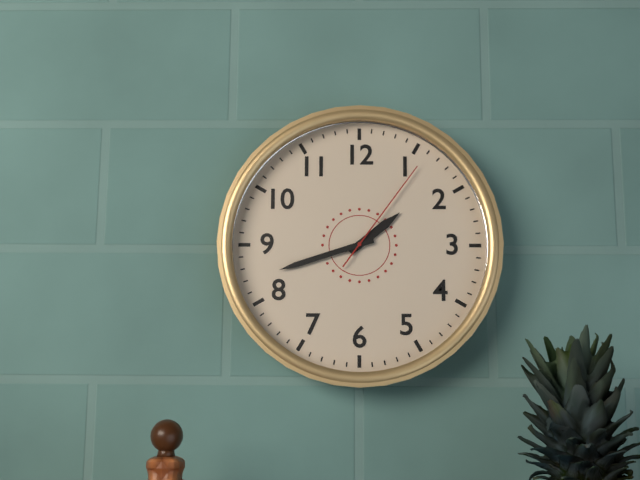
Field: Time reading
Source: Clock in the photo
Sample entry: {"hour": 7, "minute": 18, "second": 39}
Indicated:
{"hour": 1, "minute": 42, "second": 6}
